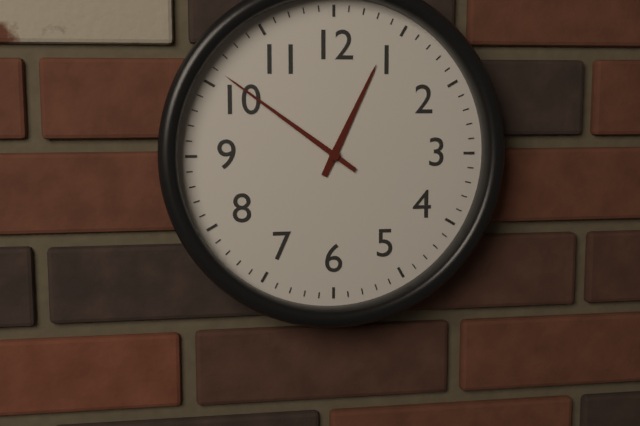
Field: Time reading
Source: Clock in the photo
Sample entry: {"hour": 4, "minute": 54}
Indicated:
{"hour": 12, "minute": 51}
